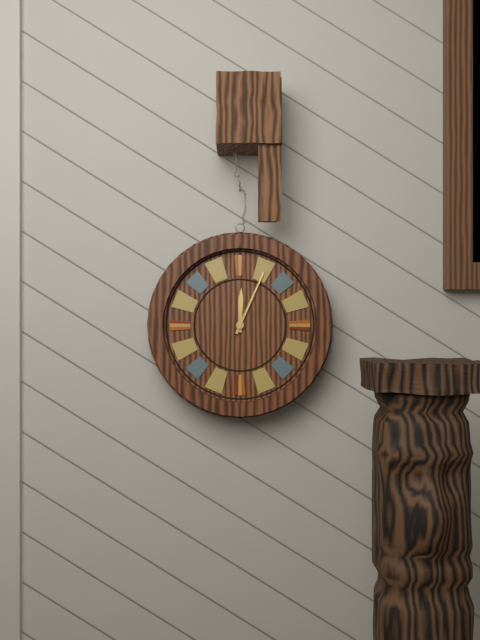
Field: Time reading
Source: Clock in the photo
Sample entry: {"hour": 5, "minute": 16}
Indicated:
{"hour": 12, "minute": 4}
